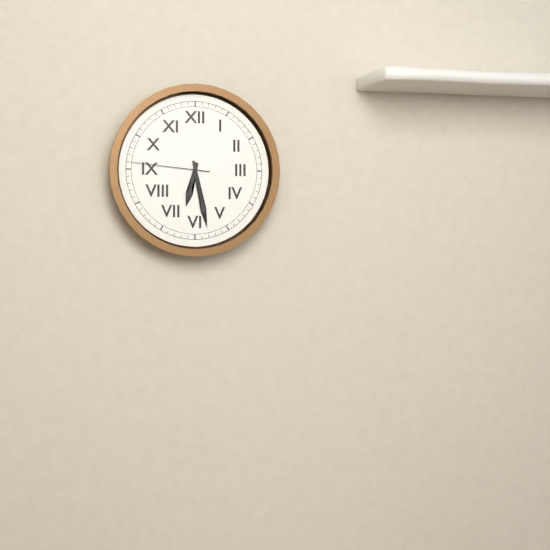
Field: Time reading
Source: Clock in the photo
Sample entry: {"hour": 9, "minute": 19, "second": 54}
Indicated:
{"hour": 6, "minute": 28, "second": 46}
